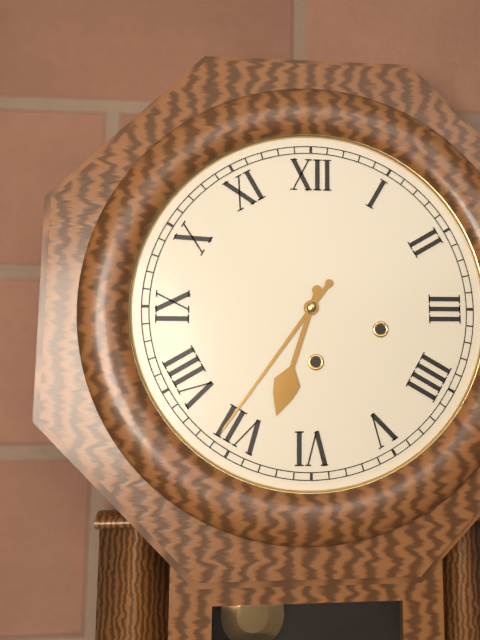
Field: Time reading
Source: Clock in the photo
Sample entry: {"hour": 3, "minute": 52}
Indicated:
{"hour": 6, "minute": 36}
